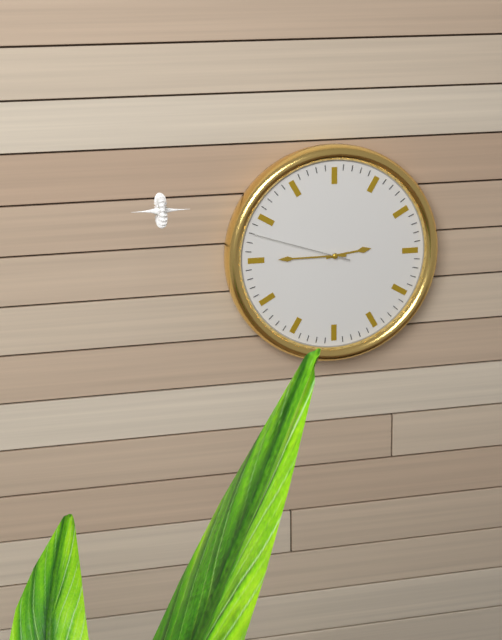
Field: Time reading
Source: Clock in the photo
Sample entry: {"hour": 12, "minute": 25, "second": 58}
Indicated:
{"hour": 2, "minute": 45, "second": 48}
